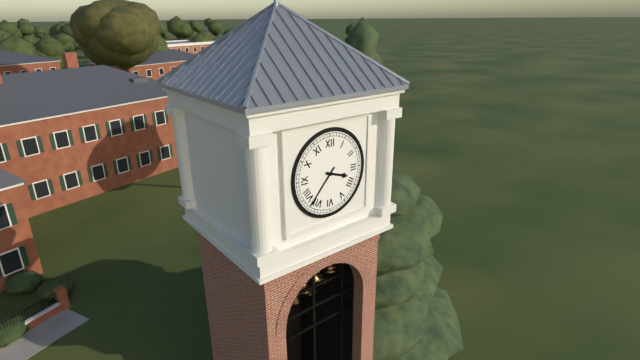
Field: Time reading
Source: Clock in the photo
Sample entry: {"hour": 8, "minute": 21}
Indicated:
{"hour": 3, "minute": 37}
